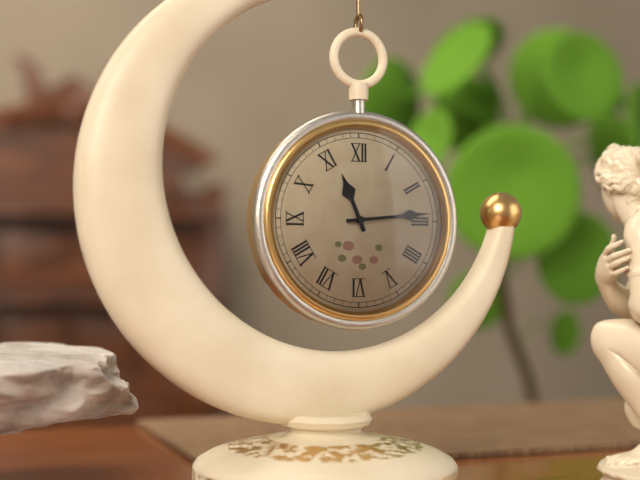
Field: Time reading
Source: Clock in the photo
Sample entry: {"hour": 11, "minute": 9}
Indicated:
{"hour": 11, "minute": 14}
